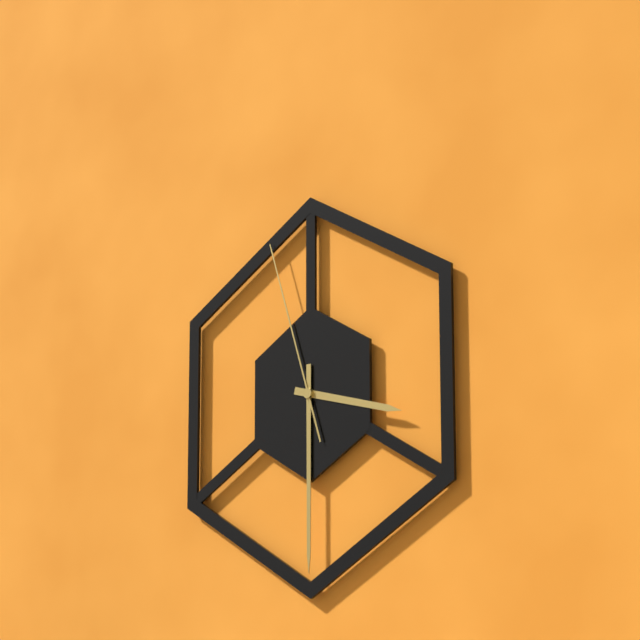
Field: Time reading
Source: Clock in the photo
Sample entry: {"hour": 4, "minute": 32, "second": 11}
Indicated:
{"hour": 3, "minute": 30, "second": 57}
